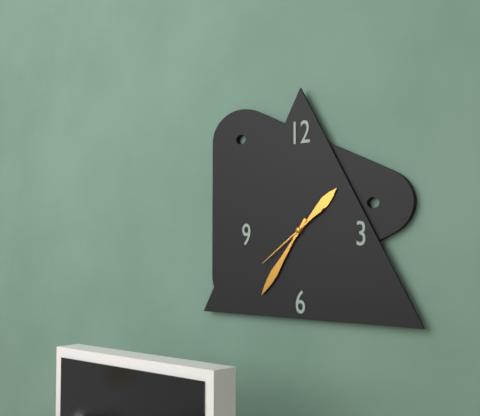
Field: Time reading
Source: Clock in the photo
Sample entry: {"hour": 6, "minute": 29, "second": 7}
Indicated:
{"hour": 1, "minute": 36, "second": 39}
